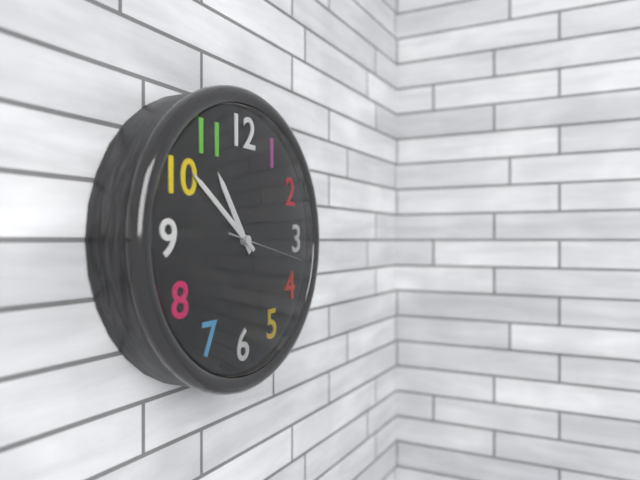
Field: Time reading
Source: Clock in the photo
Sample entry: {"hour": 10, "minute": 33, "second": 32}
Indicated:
{"hour": 10, "minute": 51, "second": 17}
